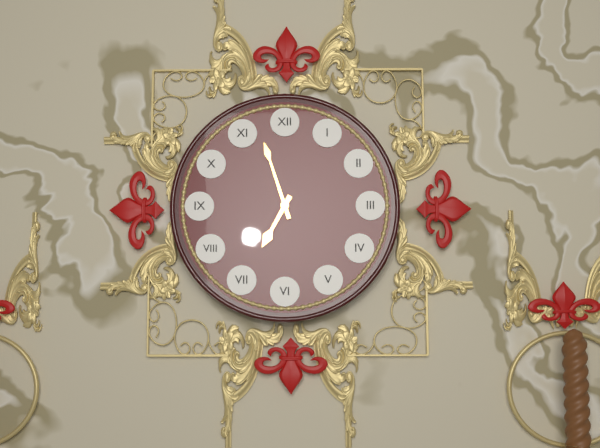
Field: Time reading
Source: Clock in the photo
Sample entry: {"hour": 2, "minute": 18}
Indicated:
{"hour": 6, "minute": 57}
